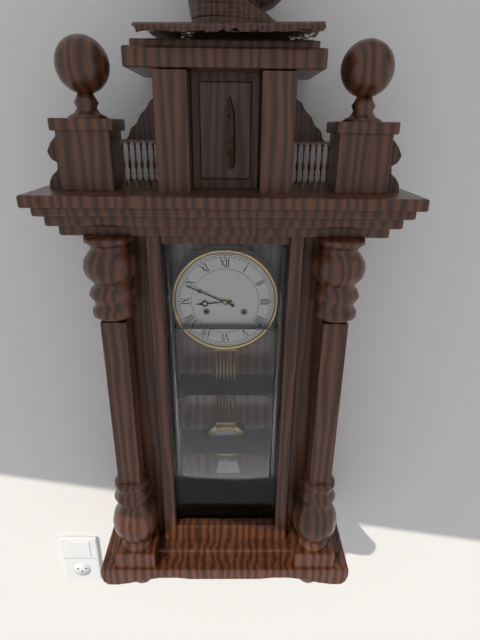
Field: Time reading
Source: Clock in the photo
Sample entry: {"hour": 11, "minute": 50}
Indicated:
{"hour": 8, "minute": 49}
